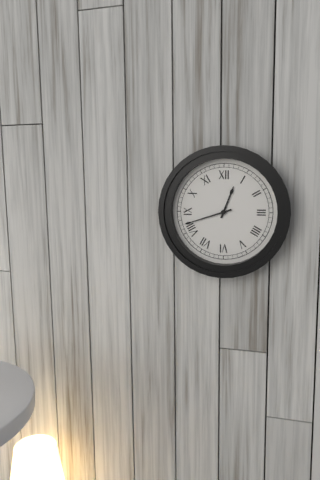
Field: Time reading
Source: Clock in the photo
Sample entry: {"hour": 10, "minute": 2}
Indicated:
{"hour": 12, "minute": 42}
